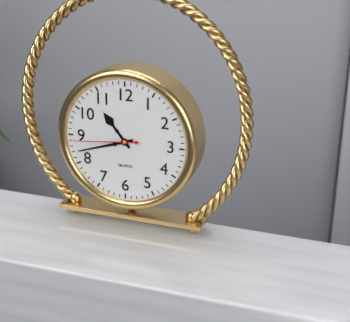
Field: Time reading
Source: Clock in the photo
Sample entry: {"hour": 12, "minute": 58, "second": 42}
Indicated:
{"hour": 10, "minute": 42, "second": 44}
